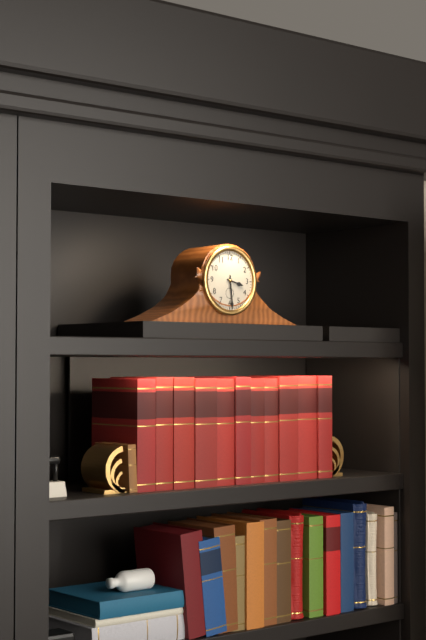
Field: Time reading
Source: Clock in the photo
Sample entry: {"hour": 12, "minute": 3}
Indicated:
{"hour": 3, "minute": 29}
